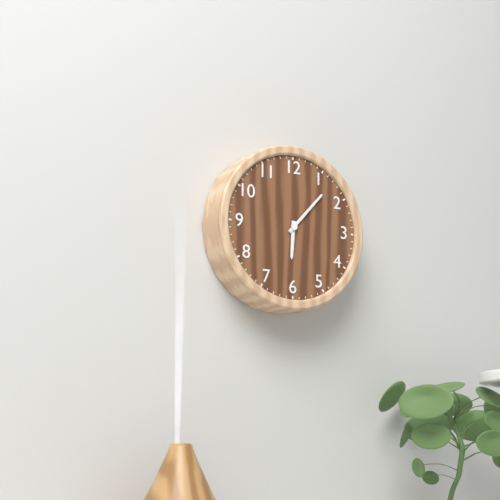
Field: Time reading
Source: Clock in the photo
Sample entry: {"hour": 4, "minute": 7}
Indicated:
{"hour": 6, "minute": 7}
